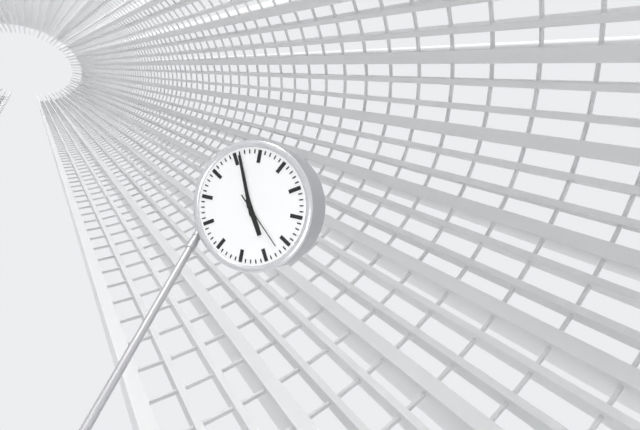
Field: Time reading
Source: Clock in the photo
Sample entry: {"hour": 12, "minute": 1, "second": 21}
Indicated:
{"hour": 4, "minute": 56, "second": 22}
